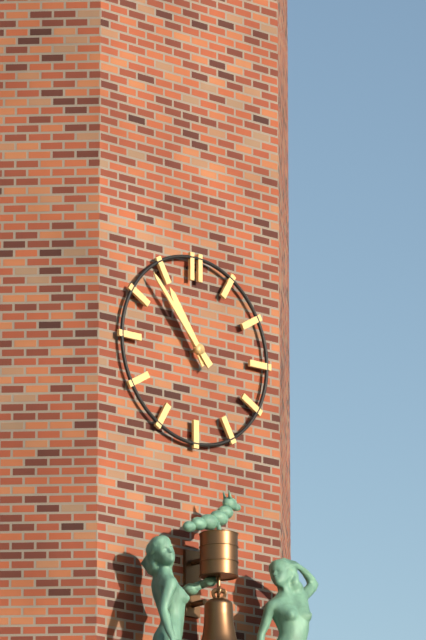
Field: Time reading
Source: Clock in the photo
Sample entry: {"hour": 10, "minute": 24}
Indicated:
{"hour": 10, "minute": 53}
